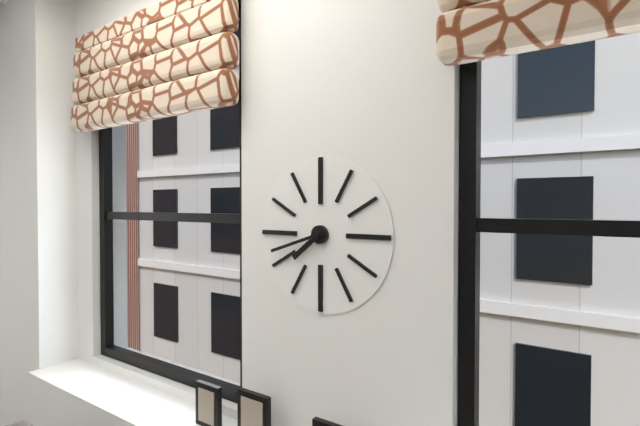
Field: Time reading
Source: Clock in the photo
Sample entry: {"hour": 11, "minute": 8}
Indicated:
{"hour": 7, "minute": 42}
